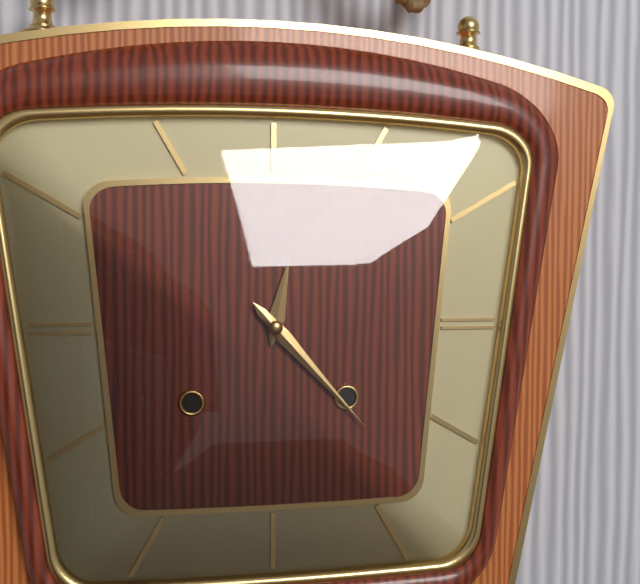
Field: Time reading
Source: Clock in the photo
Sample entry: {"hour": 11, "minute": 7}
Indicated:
{"hour": 12, "minute": 23}
